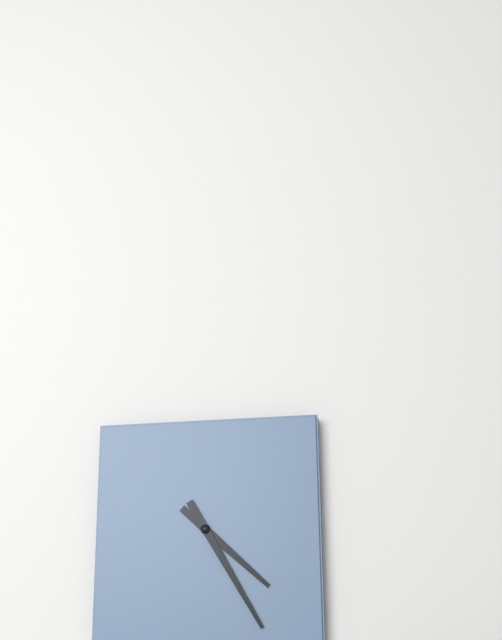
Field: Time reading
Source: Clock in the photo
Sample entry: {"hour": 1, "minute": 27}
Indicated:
{"hour": 4, "minute": 25}
